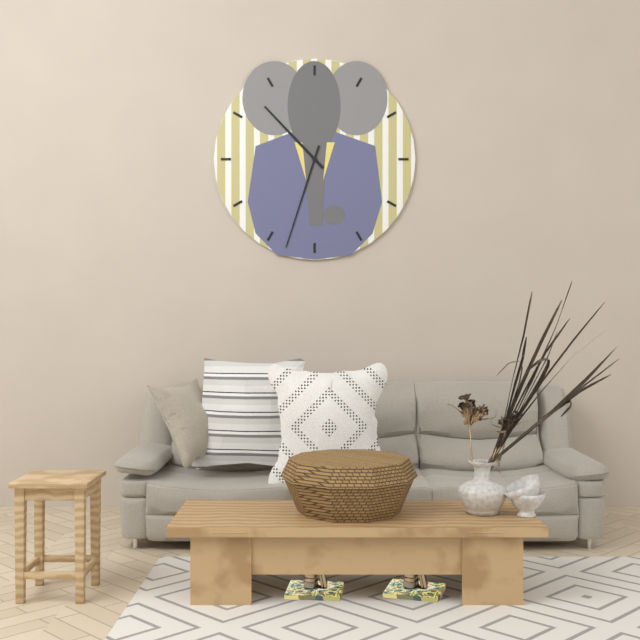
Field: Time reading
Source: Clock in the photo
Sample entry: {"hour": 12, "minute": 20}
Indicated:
{"hour": 10, "minute": 33}
